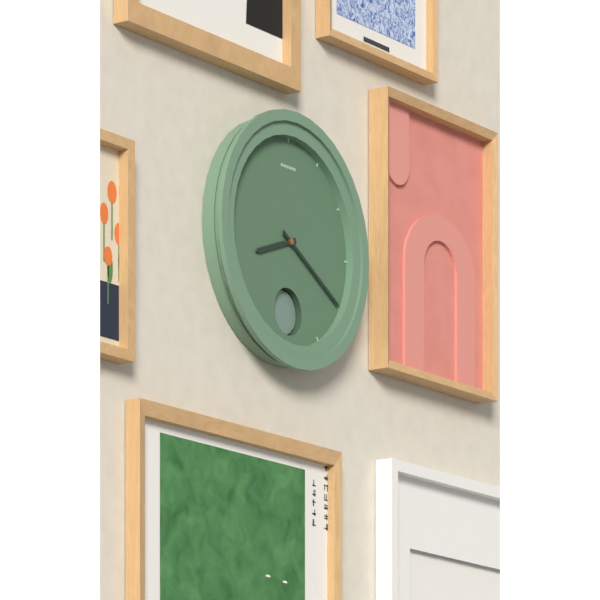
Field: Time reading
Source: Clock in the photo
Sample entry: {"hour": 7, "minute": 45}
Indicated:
{"hour": 8, "minute": 20}
